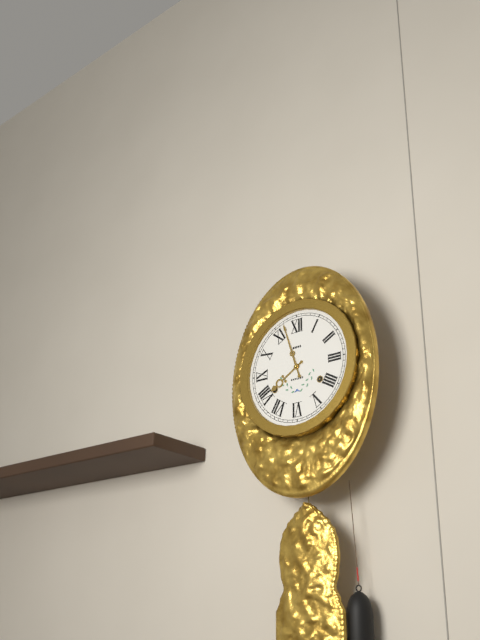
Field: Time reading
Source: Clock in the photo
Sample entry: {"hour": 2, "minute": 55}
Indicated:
{"hour": 7, "minute": 57}
